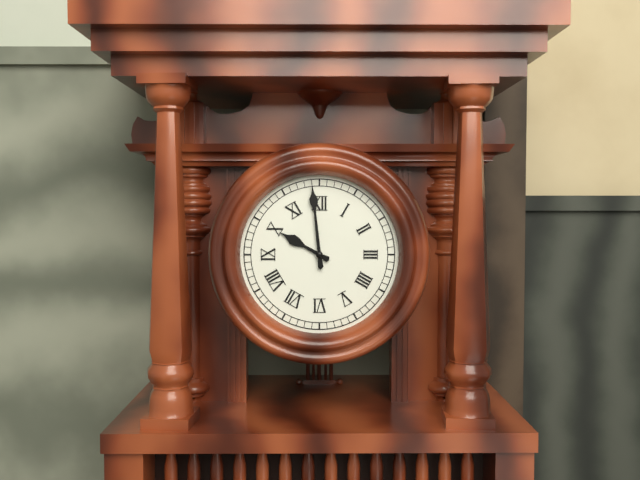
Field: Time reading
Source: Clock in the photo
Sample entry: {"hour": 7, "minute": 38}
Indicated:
{"hour": 9, "minute": 59}
